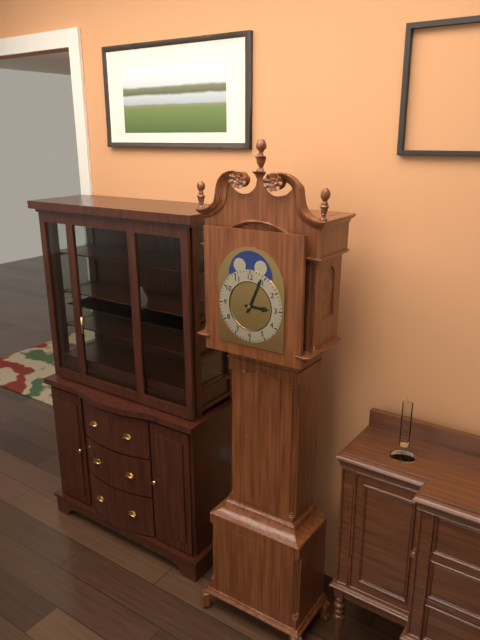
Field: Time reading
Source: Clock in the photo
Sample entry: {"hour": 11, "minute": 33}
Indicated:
{"hour": 3, "minute": 4}
